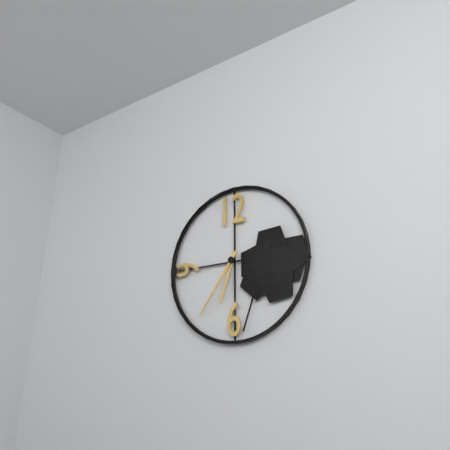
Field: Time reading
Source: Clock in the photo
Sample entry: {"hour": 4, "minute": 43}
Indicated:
{"hour": 6, "minute": 36}
